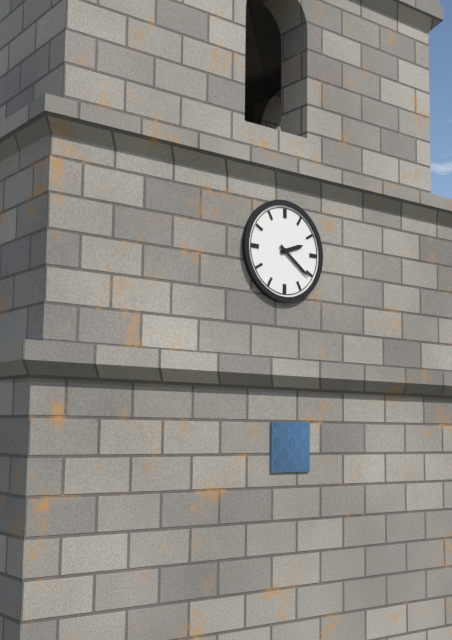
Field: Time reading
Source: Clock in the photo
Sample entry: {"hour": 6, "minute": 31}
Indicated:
{"hour": 2, "minute": 21}
